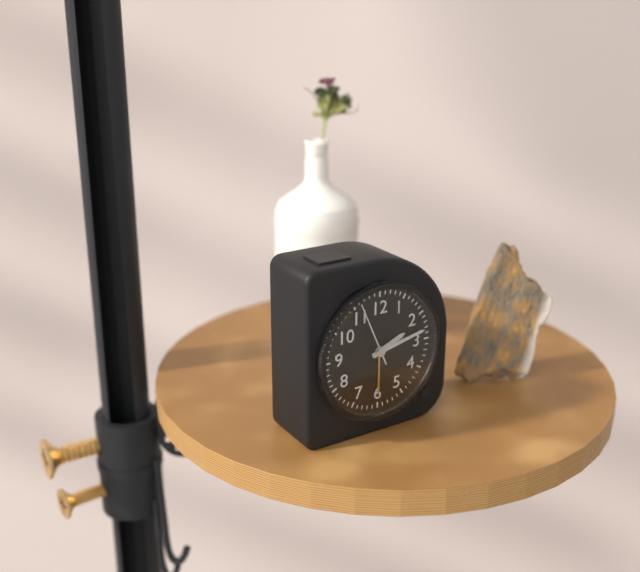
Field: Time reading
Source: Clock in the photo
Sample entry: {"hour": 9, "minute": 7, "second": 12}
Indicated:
{"hour": 2, "minute": 13, "second": 56}
